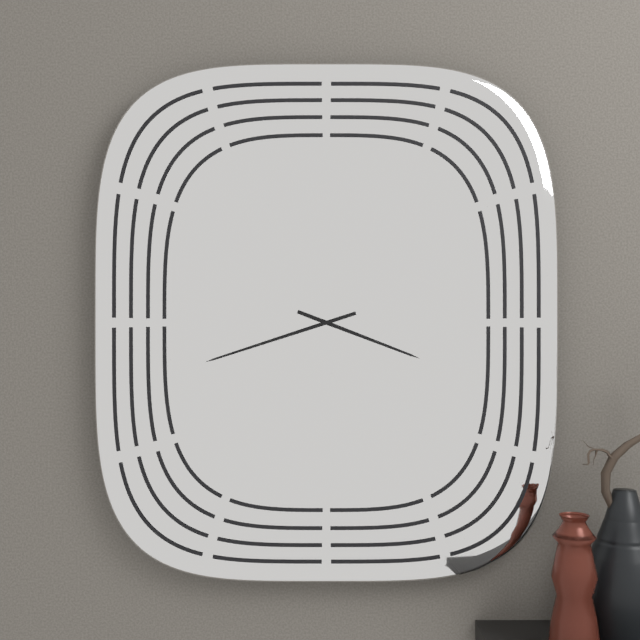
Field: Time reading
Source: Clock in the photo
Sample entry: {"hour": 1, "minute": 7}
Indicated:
{"hour": 3, "minute": 42}
